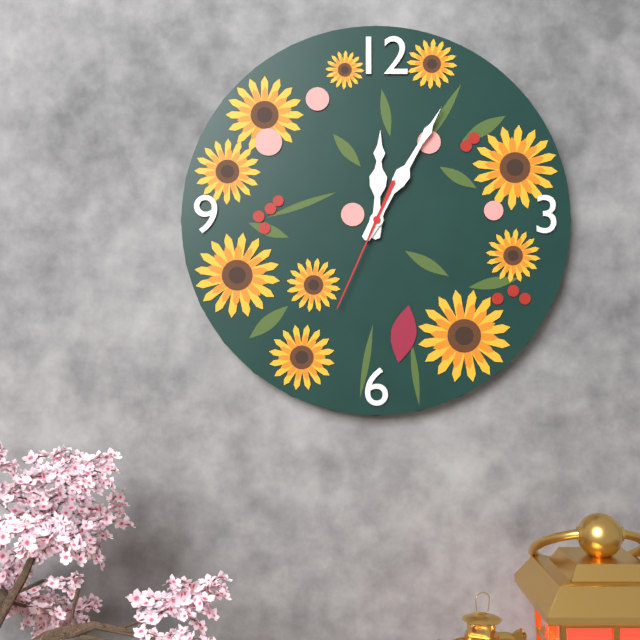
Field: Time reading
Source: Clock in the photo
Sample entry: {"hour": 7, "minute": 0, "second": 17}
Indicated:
{"hour": 12, "minute": 5, "second": 34}
